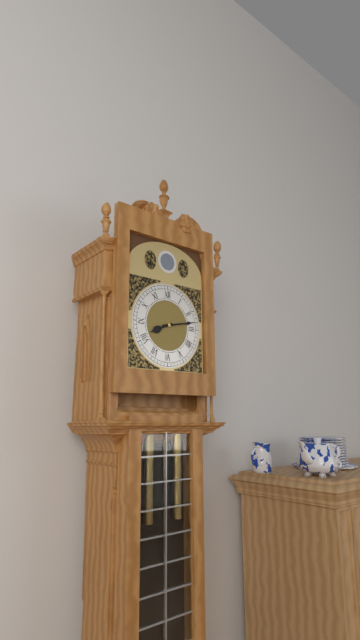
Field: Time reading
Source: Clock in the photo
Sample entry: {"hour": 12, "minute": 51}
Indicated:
{"hour": 8, "minute": 13}
